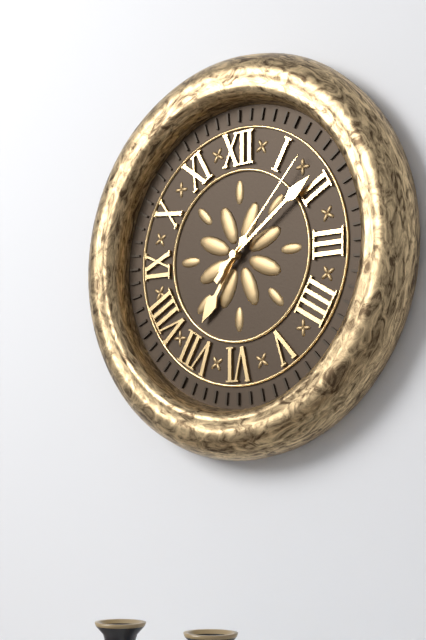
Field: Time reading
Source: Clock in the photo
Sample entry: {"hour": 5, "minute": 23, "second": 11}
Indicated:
{"hour": 7, "minute": 9, "second": 7}
